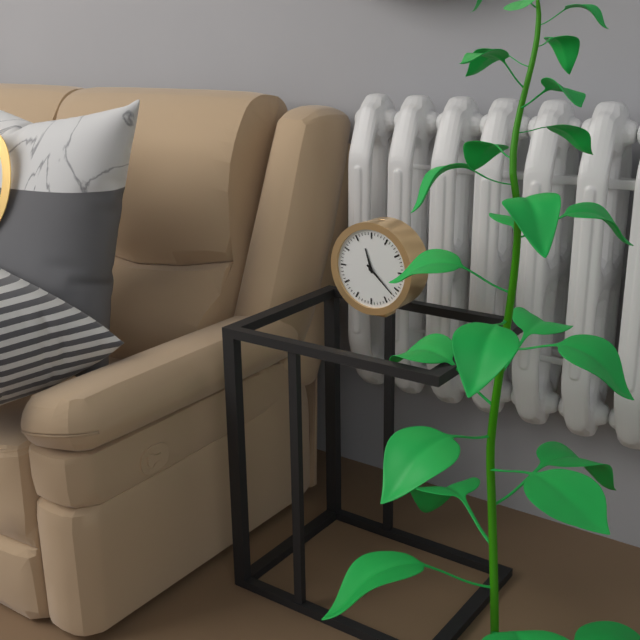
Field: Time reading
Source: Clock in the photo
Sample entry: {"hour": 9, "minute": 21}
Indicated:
{"hour": 11, "minute": 22}
